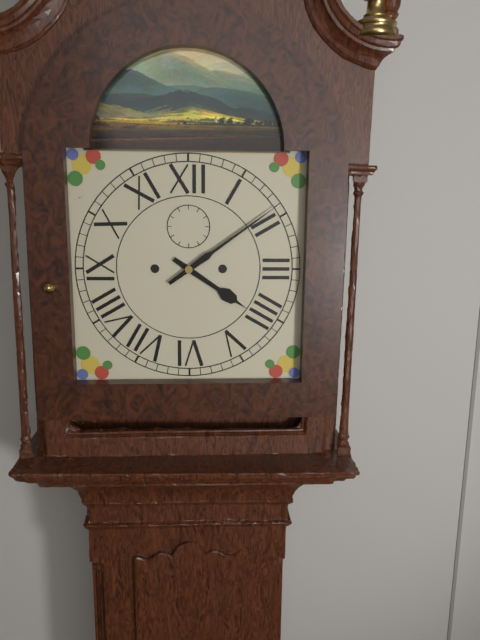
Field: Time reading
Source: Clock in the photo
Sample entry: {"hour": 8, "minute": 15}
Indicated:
{"hour": 4, "minute": 9}
